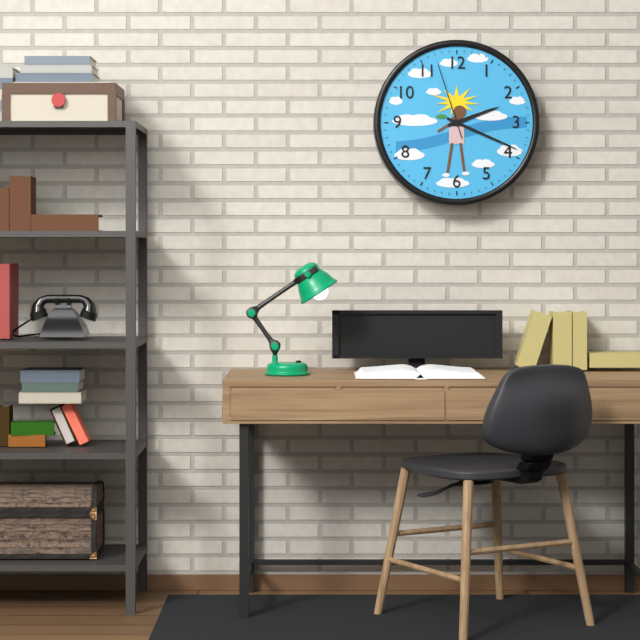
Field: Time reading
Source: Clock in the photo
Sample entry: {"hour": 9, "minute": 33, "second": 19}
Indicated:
{"hour": 2, "minute": 19, "second": 57}
